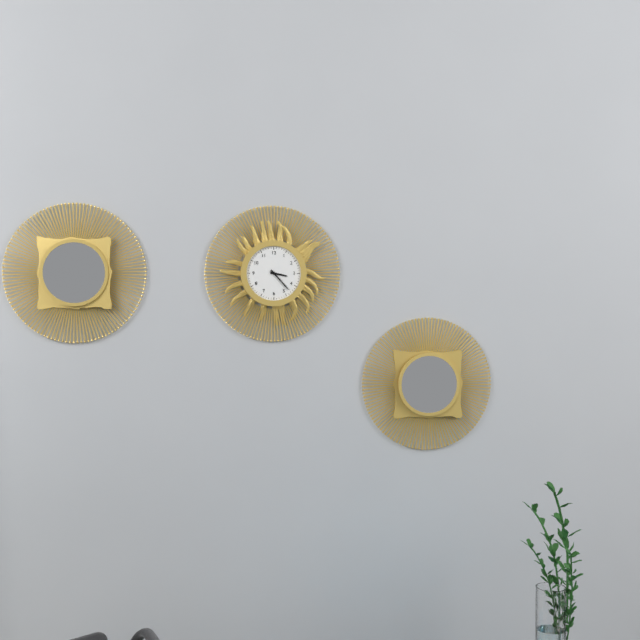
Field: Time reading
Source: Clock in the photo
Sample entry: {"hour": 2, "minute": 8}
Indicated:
{"hour": 3, "minute": 23}
